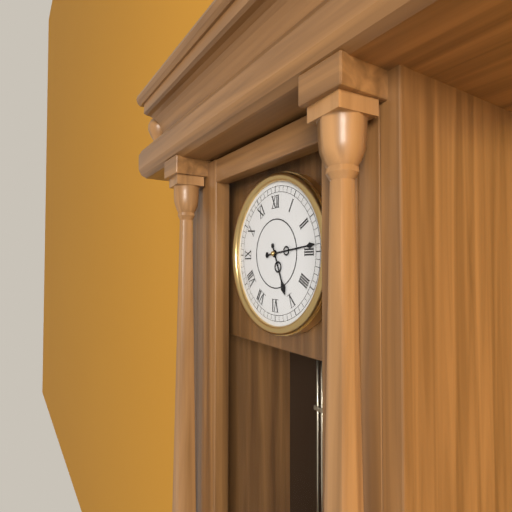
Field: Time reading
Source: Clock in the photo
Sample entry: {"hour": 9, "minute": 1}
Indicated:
{"hour": 5, "minute": 14}
